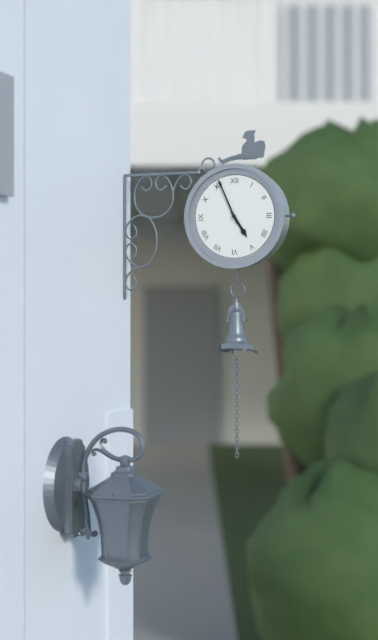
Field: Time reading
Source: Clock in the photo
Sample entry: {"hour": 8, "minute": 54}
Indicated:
{"hour": 4, "minute": 56}
